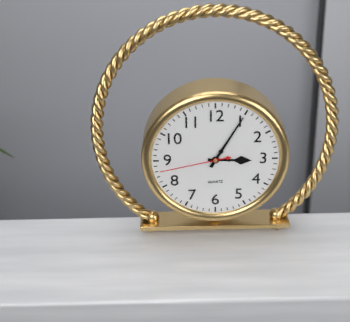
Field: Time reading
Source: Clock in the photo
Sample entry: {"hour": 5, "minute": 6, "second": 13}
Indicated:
{"hour": 3, "minute": 5, "second": 43}
